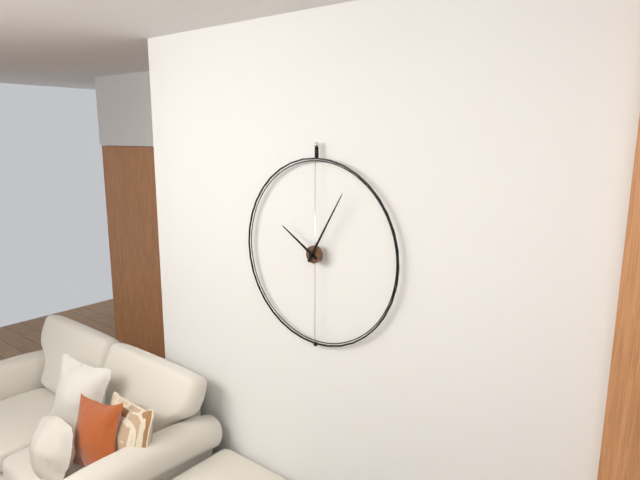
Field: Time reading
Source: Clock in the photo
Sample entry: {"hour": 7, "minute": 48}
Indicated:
{"hour": 10, "minute": 5}
